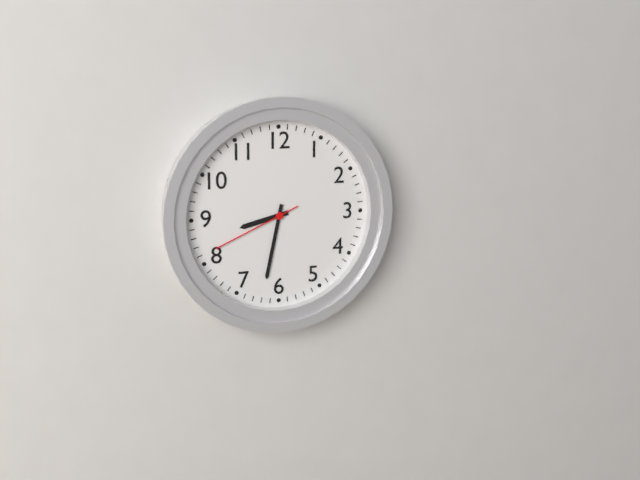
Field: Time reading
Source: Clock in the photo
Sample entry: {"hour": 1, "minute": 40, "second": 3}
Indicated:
{"hour": 8, "minute": 32, "second": 41}
